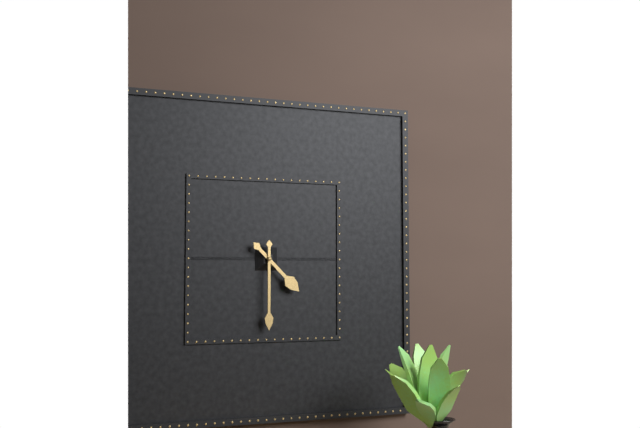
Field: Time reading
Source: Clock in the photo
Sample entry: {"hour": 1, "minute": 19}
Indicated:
{"hour": 4, "minute": 30}
